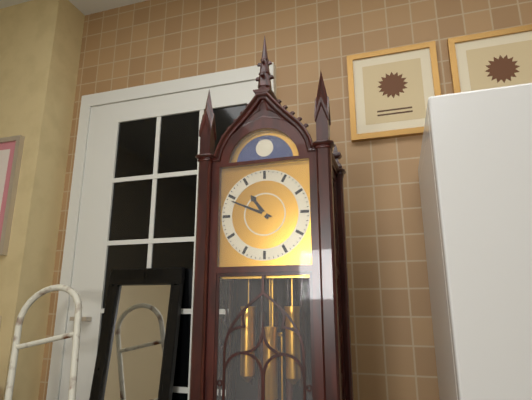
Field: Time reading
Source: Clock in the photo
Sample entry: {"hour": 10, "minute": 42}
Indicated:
{"hour": 10, "minute": 49}
